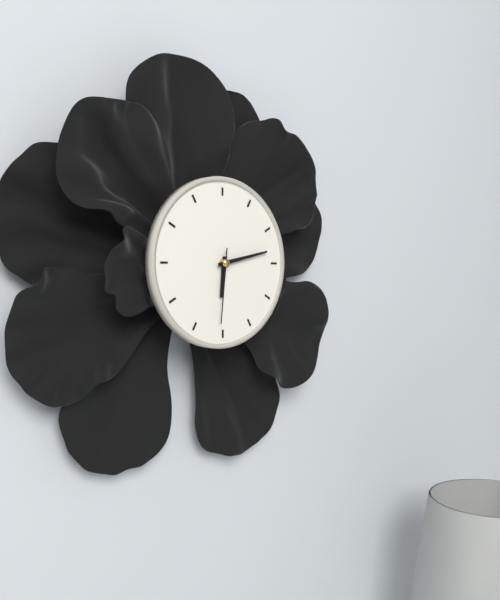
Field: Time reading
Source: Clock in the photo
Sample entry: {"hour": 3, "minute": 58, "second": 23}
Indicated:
{"hour": 6, "minute": 13, "second": 31}
